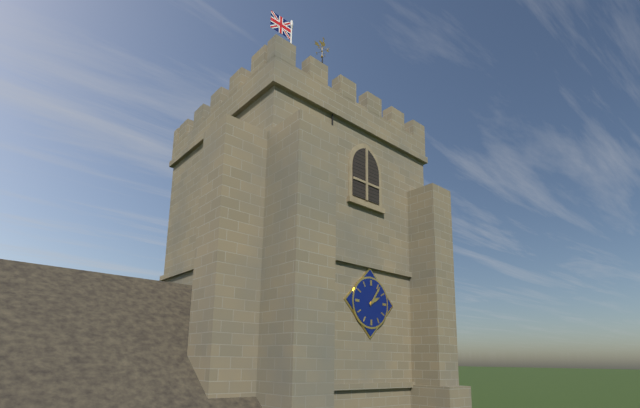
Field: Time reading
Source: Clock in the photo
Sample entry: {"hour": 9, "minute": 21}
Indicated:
{"hour": 2, "minute": 6}
